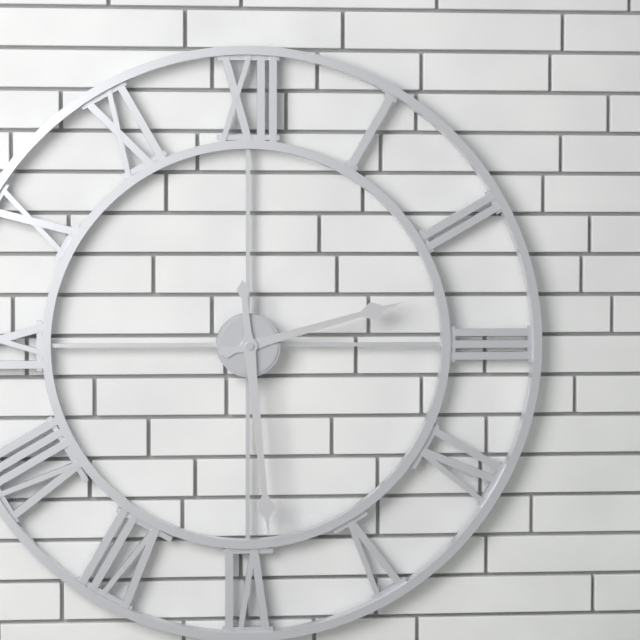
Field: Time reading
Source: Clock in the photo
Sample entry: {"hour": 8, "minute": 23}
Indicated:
{"hour": 2, "minute": 29}
